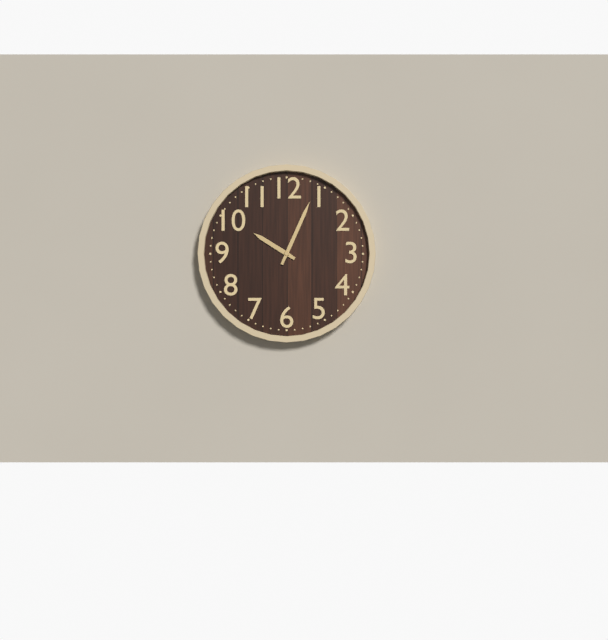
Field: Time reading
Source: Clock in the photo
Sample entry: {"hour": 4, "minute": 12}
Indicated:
{"hour": 10, "minute": 4}
